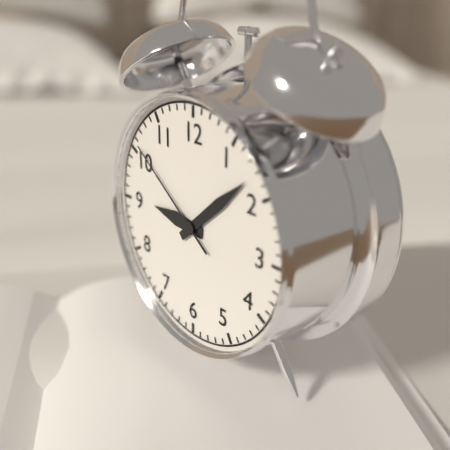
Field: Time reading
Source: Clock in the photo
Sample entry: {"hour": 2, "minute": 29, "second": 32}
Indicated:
{"hour": 9, "minute": 8, "second": 51}
